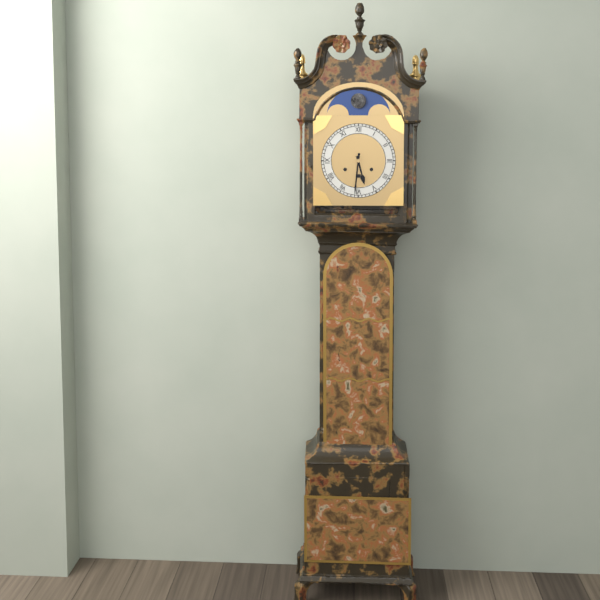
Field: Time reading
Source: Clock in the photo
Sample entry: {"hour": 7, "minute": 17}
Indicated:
{"hour": 5, "minute": 31}
